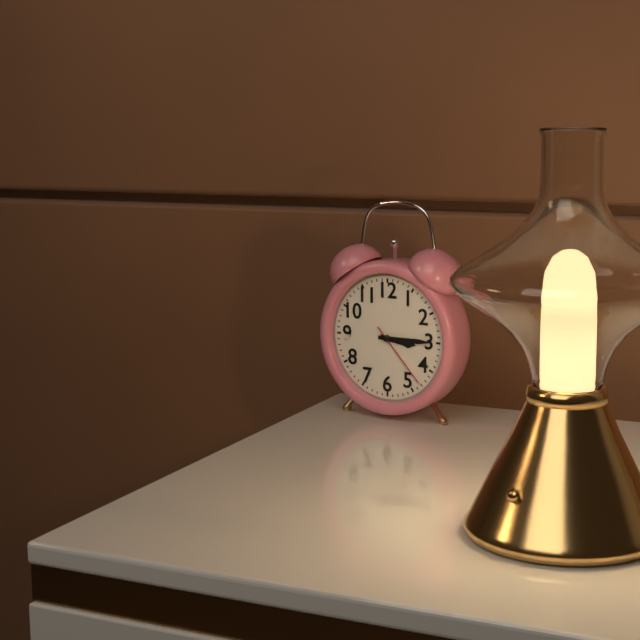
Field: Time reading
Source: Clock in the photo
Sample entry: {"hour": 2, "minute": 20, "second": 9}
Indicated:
{"hour": 3, "minute": 15, "second": 23}
